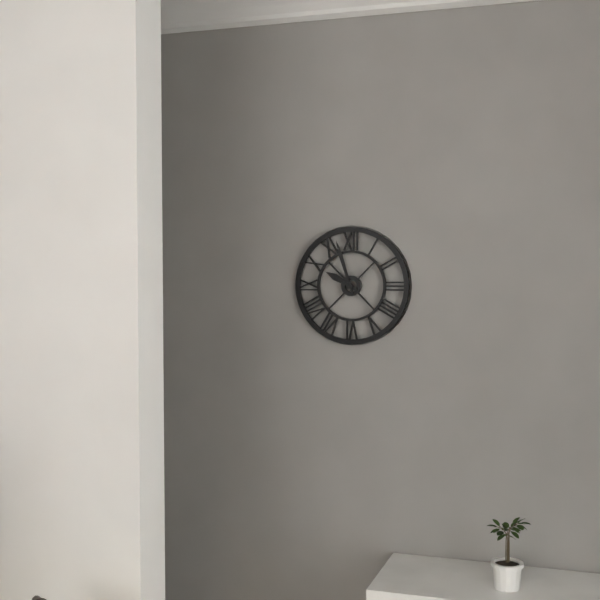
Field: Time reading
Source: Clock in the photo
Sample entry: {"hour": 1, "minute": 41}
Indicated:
{"hour": 9, "minute": 57}
